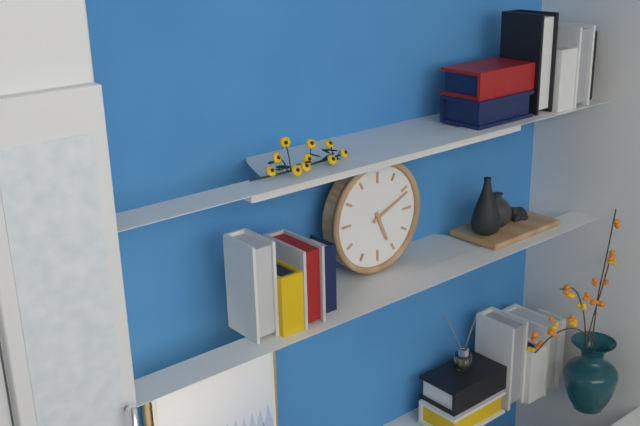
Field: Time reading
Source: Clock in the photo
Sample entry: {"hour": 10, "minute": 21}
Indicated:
{"hour": 5, "minute": 11}
